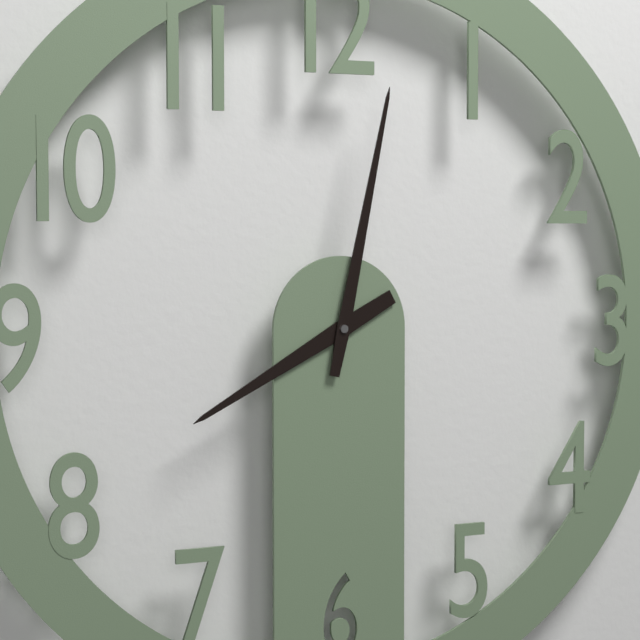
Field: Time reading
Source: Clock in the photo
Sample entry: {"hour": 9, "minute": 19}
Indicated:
{"hour": 8, "minute": 2}
